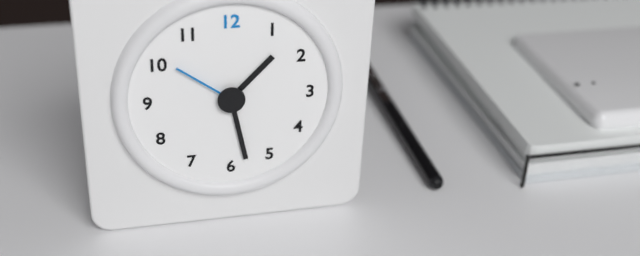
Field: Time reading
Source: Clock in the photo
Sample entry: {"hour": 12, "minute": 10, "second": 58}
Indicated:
{"hour": 1, "minute": 28, "second": 51}
